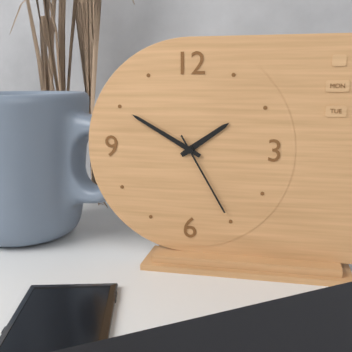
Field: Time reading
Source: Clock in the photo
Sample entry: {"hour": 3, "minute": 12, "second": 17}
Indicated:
{"hour": 1, "minute": 50, "second": 25}
